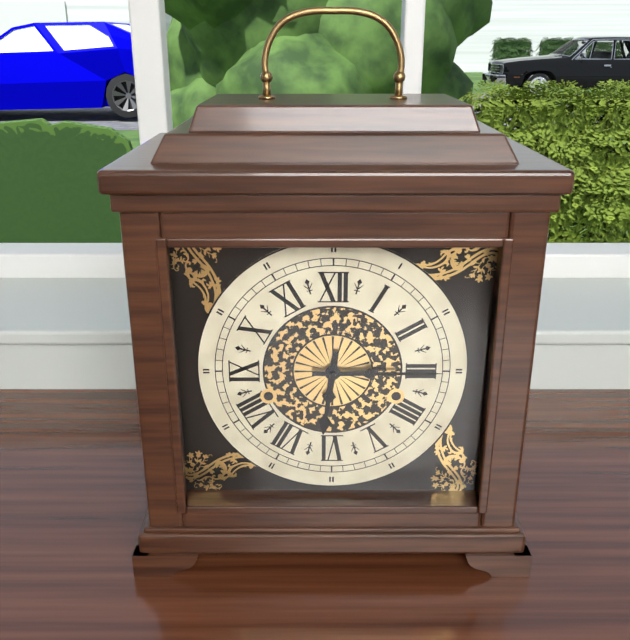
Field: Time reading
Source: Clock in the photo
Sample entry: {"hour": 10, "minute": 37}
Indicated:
{"hour": 6, "minute": 15}
